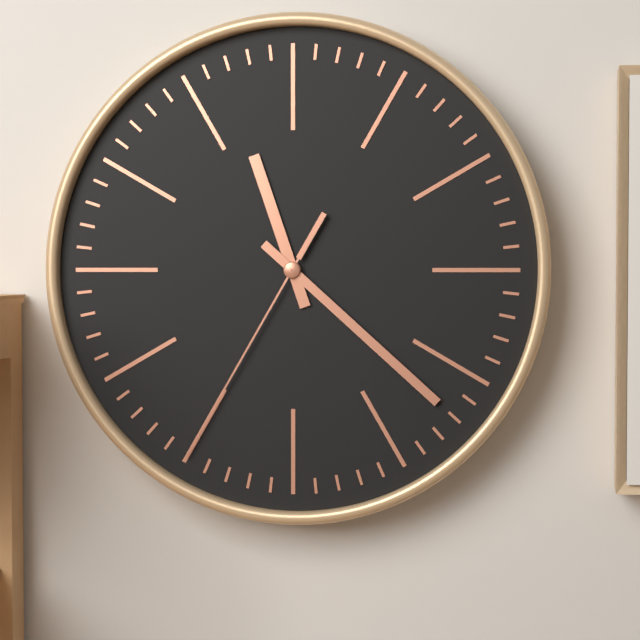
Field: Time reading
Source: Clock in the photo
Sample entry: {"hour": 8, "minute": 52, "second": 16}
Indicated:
{"hour": 11, "minute": 22, "second": 35}
